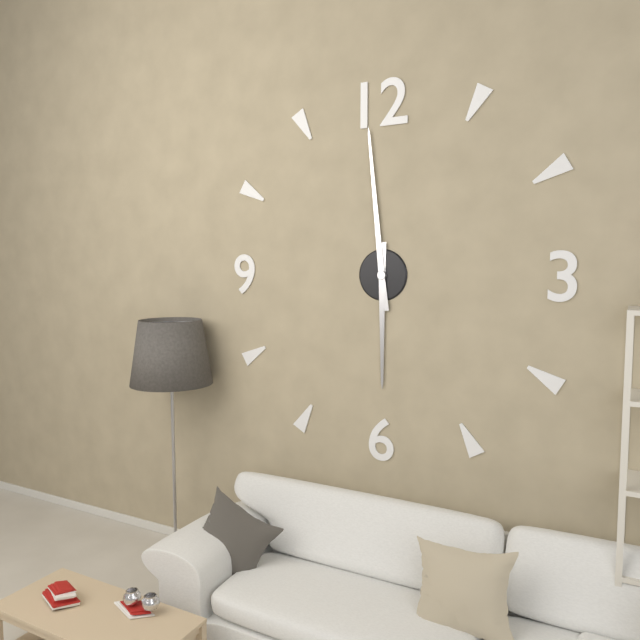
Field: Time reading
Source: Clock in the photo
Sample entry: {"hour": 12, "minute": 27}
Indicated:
{"hour": 5, "minute": 59}
